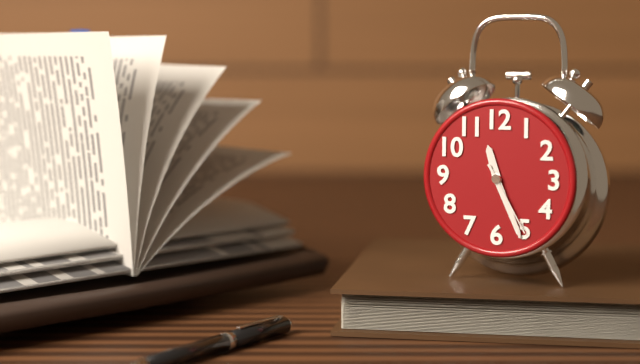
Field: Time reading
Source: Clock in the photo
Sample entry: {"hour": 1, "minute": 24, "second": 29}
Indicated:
{"hour": 11, "minute": 26, "second": 25}
